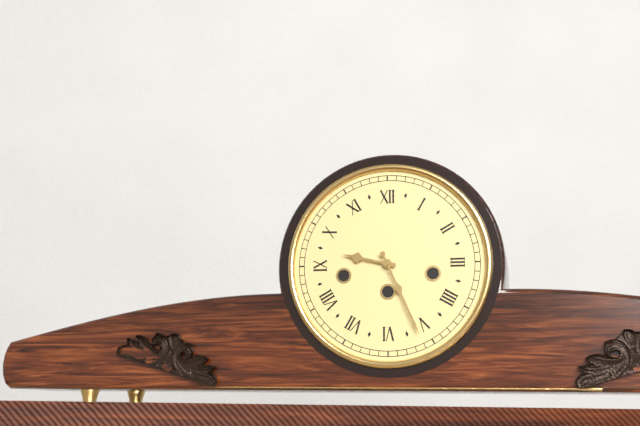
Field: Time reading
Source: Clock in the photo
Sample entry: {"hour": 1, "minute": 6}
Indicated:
{"hour": 9, "minute": 26}
